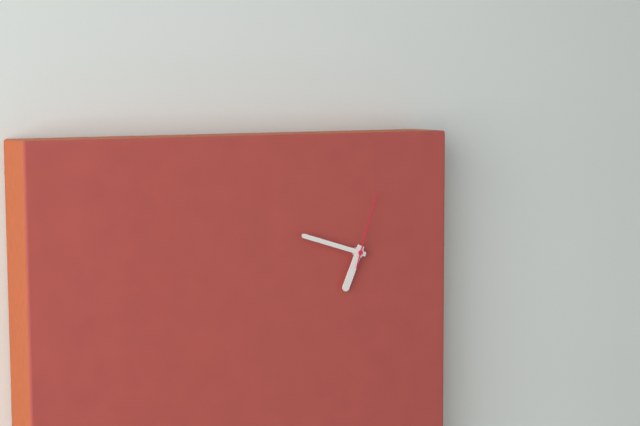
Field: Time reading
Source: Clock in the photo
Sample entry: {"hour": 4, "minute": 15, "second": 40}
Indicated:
{"hour": 6, "minute": 48, "second": 3}
